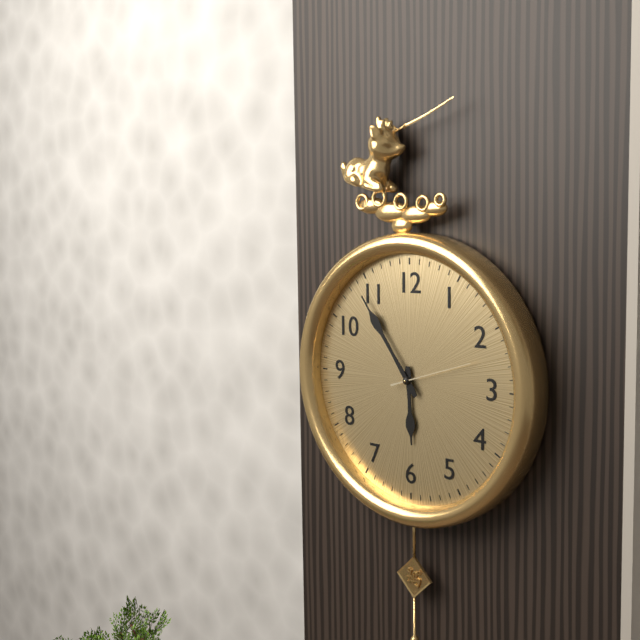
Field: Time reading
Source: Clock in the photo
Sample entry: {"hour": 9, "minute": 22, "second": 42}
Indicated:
{"hour": 5, "minute": 54, "second": 12}
